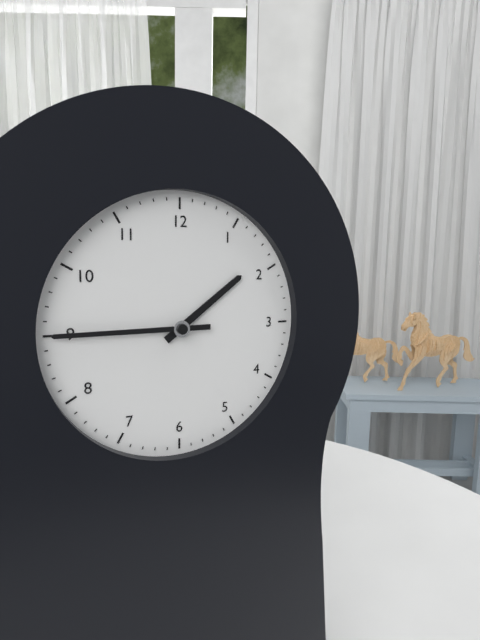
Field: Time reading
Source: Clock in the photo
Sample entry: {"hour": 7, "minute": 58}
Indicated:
{"hour": 1, "minute": 45}
